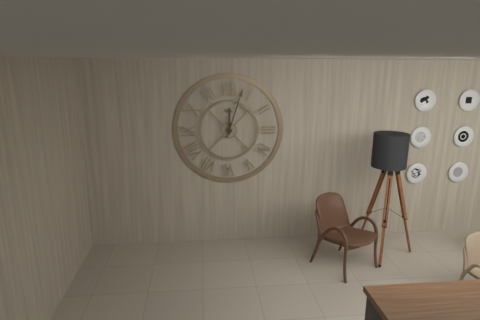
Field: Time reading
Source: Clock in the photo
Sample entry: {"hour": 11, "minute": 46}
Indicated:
{"hour": 12, "minute": 3}
